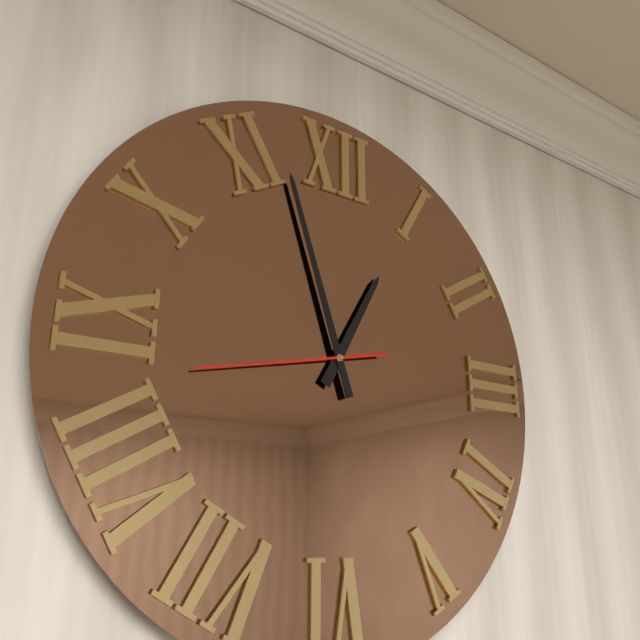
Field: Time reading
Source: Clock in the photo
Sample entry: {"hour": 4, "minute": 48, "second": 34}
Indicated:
{"hour": 12, "minute": 57, "second": 43}
